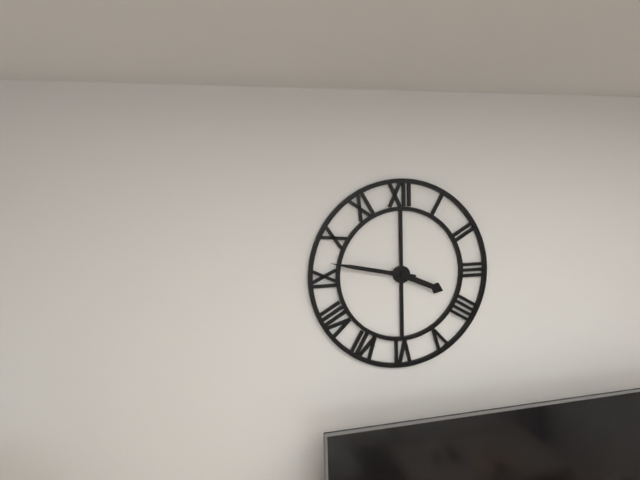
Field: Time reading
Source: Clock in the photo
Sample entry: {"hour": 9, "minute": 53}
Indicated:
{"hour": 3, "minute": 47}
